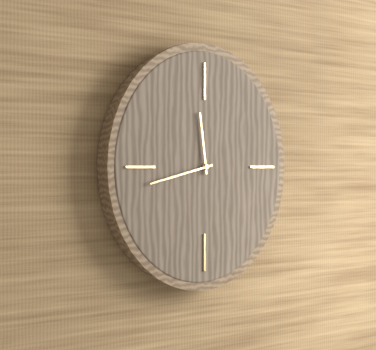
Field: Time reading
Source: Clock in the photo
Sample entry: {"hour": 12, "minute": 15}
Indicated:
{"hour": 11, "minute": 43}
